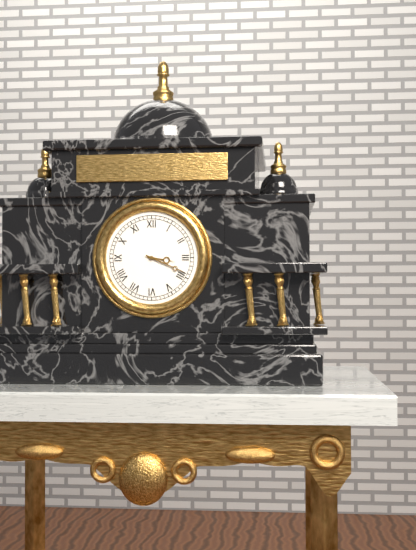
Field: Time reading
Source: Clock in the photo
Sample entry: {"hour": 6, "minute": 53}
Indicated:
{"hour": 3, "minute": 19}
